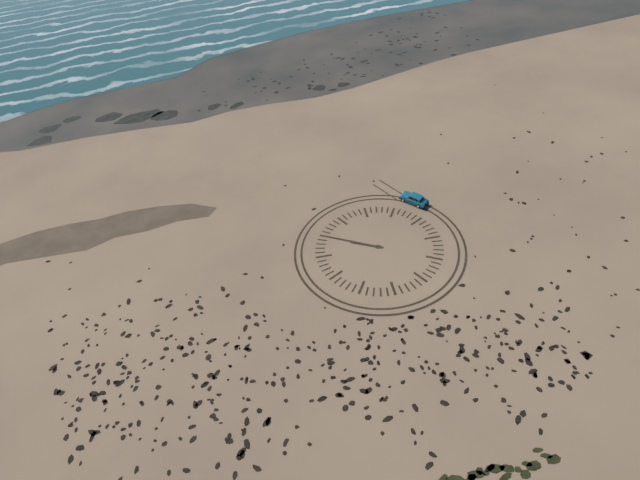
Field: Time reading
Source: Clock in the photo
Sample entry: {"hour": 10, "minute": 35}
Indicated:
{"hour": 10, "minute": 55}
